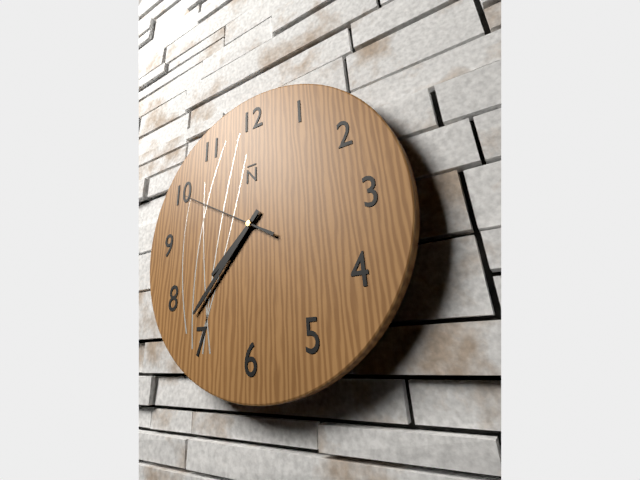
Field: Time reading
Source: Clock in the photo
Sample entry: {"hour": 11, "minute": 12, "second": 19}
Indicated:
{"hour": 7, "minute": 37, "second": 50}
